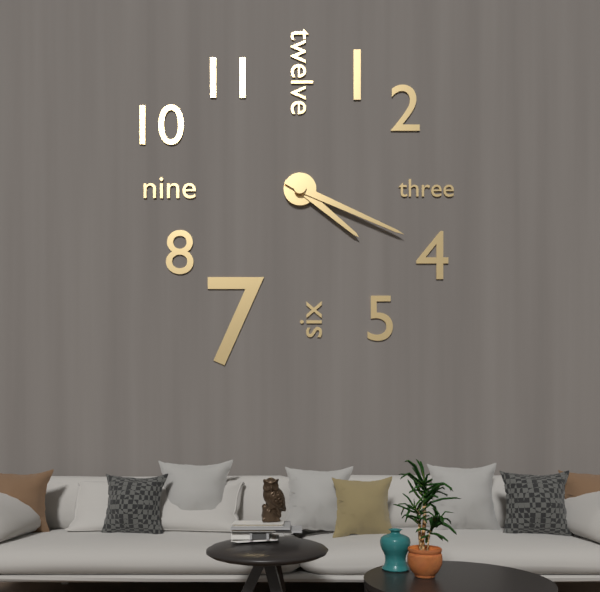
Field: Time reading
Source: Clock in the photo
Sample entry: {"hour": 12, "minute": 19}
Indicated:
{"hour": 4, "minute": 19}
